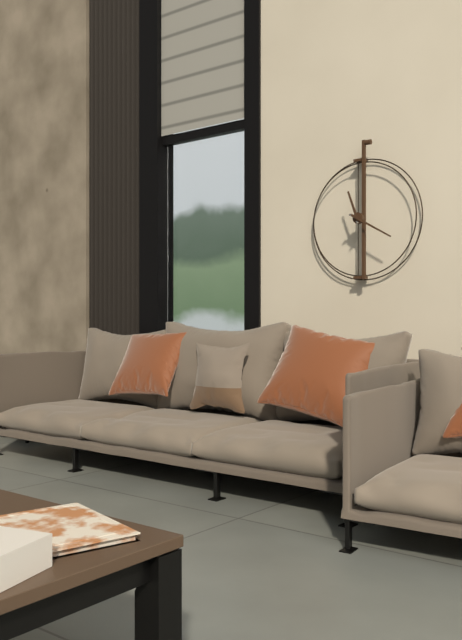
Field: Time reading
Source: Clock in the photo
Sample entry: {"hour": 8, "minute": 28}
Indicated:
{"hour": 11, "minute": 20}
